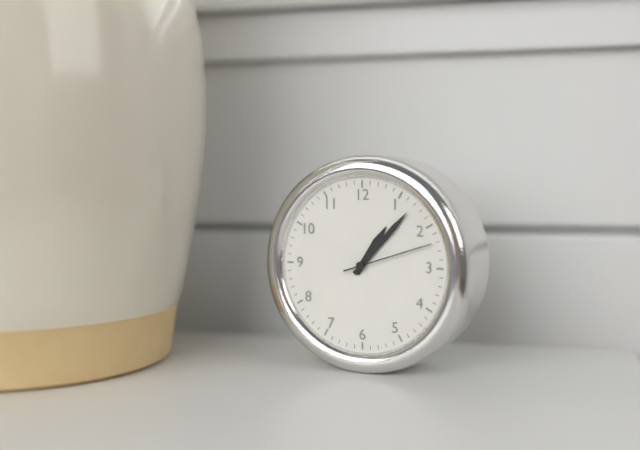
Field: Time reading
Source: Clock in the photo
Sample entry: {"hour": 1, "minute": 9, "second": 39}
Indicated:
{"hour": 1, "minute": 7, "second": 12}
